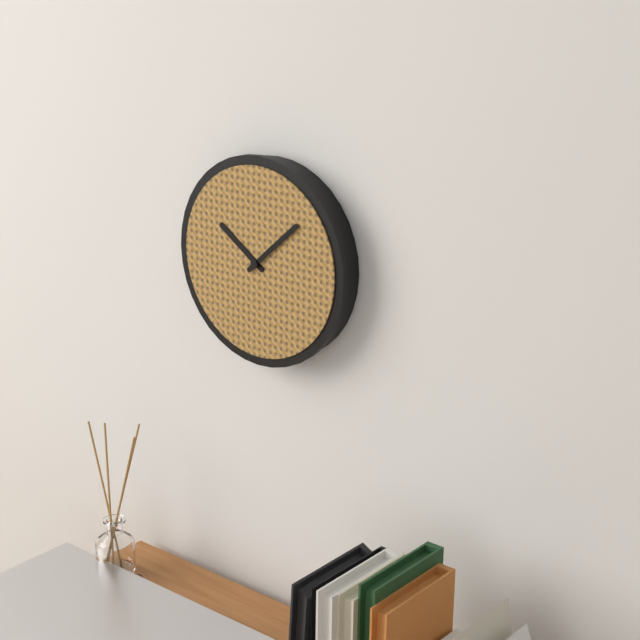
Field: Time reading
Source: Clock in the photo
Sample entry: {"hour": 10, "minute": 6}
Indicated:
{"hour": 10, "minute": 8}
